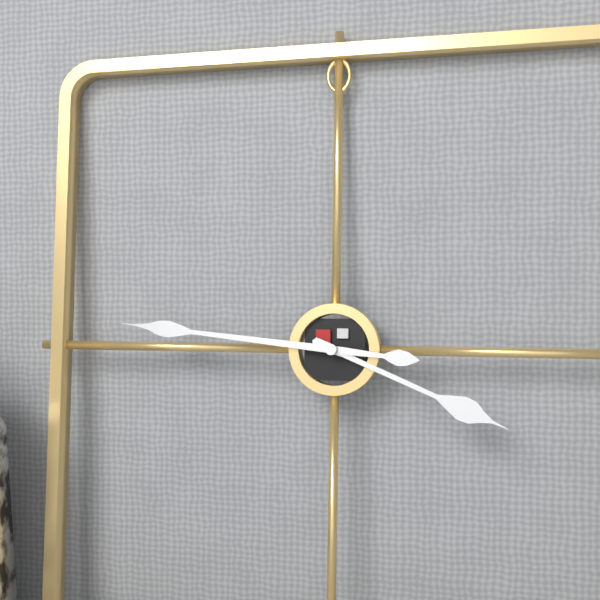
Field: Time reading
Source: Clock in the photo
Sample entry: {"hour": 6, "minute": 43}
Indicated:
{"hour": 3, "minute": 46}
